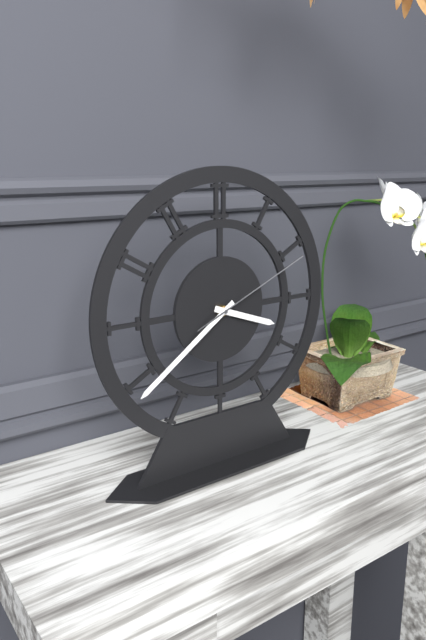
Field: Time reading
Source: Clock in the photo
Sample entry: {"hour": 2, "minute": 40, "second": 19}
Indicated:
{"hour": 3, "minute": 39, "second": 11}
